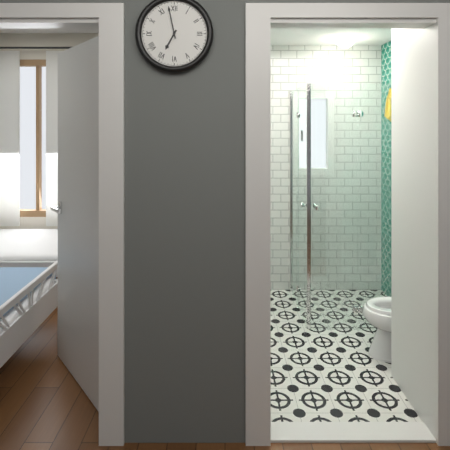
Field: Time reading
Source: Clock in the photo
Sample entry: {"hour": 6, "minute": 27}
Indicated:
{"hour": 6, "minute": 58}
